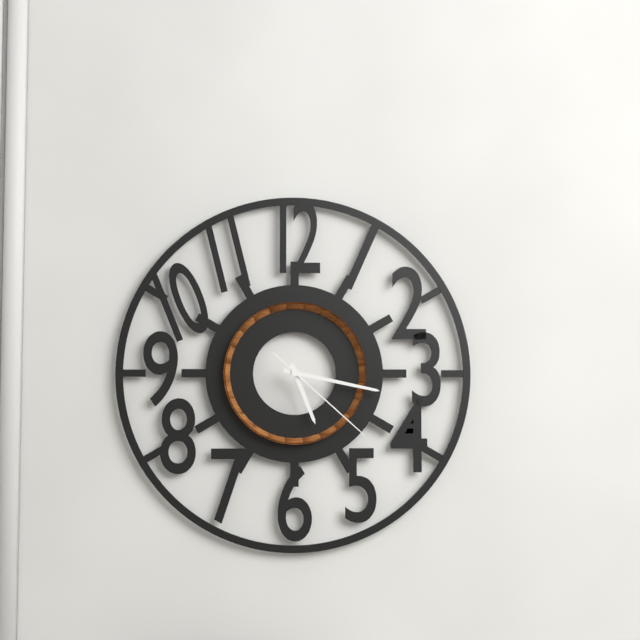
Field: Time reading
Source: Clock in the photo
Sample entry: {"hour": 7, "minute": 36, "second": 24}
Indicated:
{"hour": 5, "minute": 17, "second": 22}
